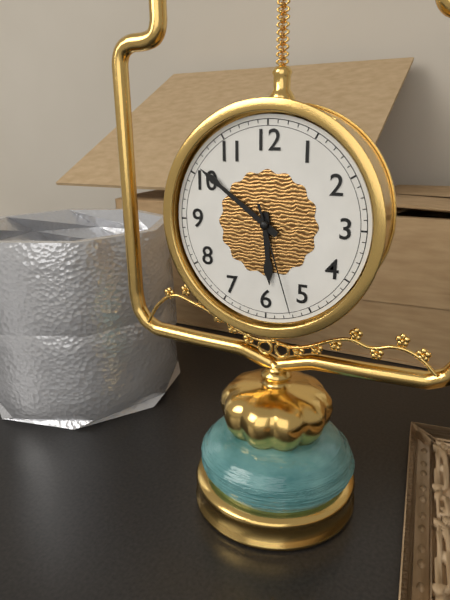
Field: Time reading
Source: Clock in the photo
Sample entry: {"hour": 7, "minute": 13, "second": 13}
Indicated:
{"hour": 5, "minute": 51, "second": 27}
